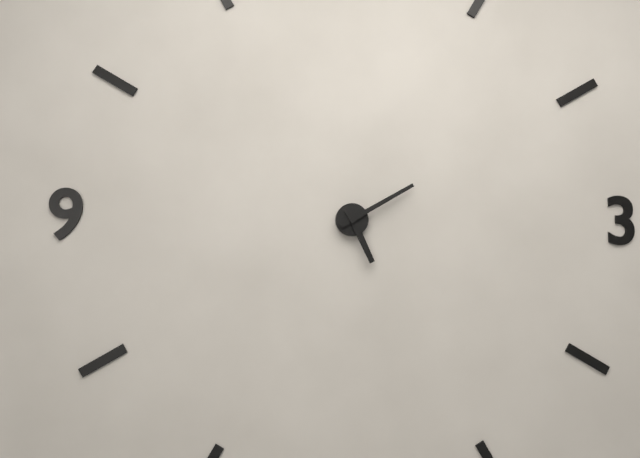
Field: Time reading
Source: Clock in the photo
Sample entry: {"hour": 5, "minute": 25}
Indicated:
{"hour": 5, "minute": 10}
